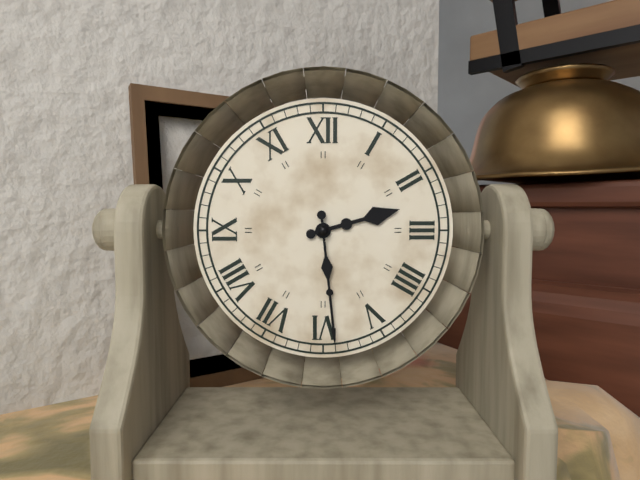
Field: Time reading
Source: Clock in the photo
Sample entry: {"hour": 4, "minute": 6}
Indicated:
{"hour": 2, "minute": 29}
